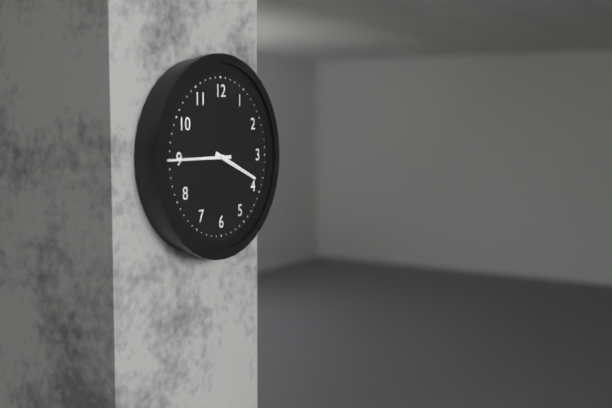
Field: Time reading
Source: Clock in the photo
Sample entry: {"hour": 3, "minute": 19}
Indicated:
{"hour": 3, "minute": 45}
